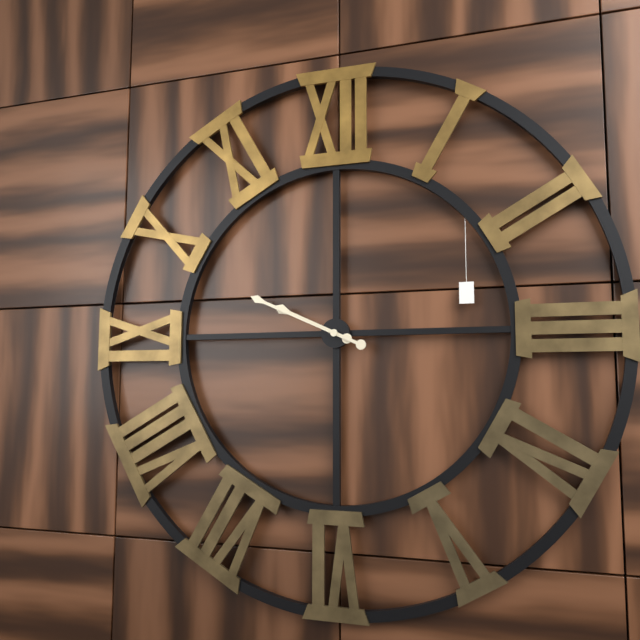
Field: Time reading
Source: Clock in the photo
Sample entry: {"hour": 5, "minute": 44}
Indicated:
{"hour": 9, "minute": 49}
